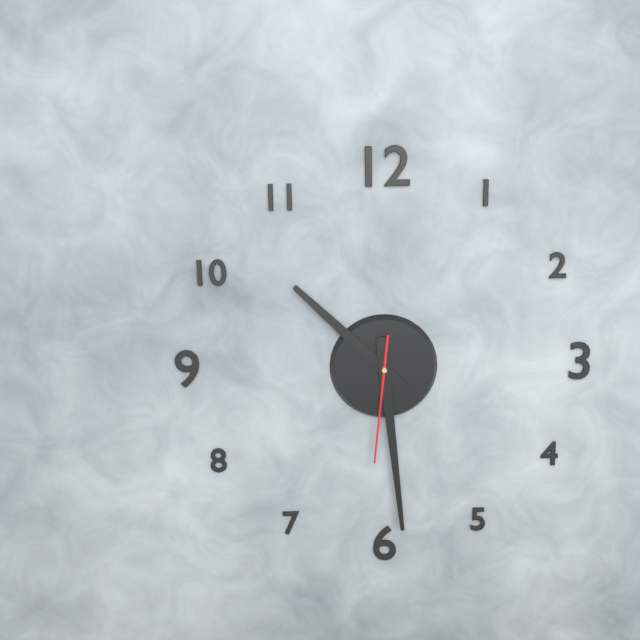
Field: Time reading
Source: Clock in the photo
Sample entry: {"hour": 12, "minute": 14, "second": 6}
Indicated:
{"hour": 10, "minute": 29, "second": 31}
